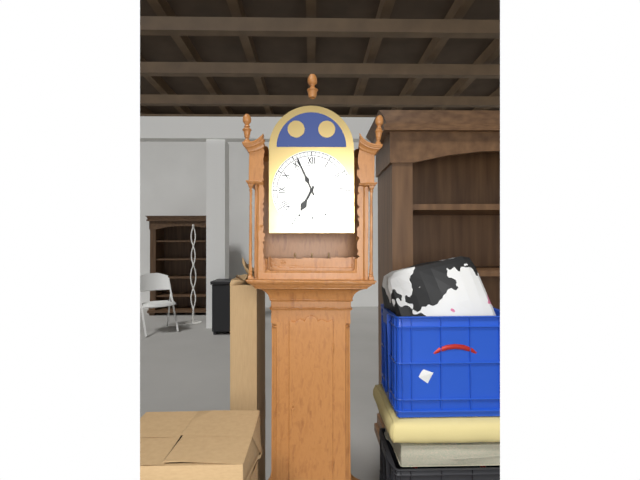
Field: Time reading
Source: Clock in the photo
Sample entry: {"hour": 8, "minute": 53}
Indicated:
{"hour": 6, "minute": 56}
